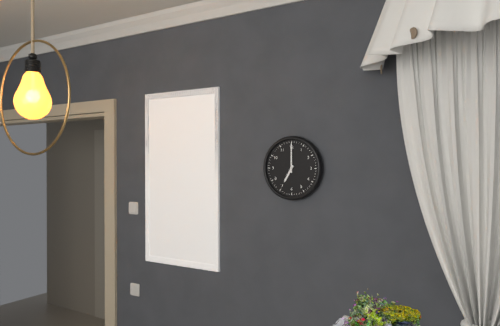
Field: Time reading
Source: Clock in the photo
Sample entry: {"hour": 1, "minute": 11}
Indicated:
{"hour": 7, "minute": 0}
